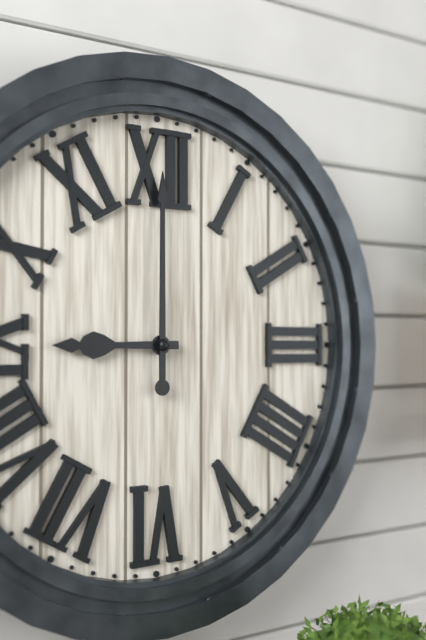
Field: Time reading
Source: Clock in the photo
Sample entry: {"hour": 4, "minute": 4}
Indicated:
{"hour": 9, "minute": 0}
